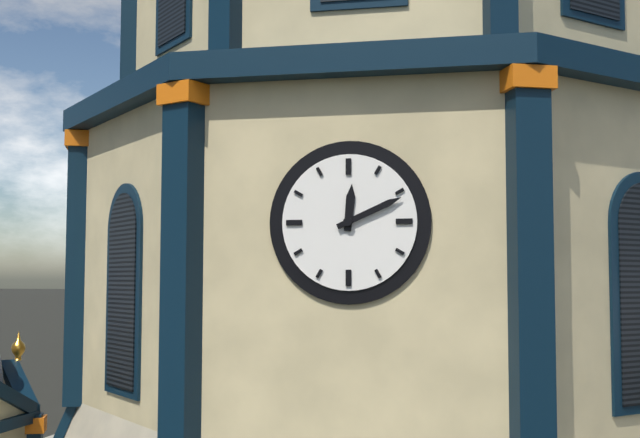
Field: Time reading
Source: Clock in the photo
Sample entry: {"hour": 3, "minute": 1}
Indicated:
{"hour": 12, "minute": 11}
